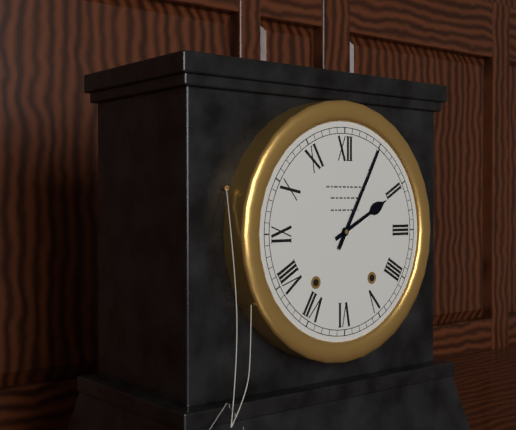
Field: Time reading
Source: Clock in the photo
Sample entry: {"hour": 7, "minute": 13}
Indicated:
{"hour": 2, "minute": 5}
